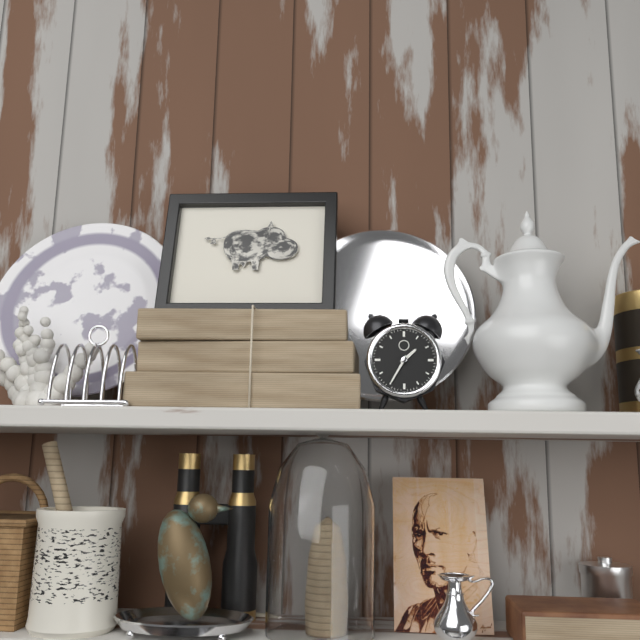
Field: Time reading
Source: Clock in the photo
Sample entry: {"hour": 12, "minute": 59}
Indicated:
{"hour": 1, "minute": 35}
